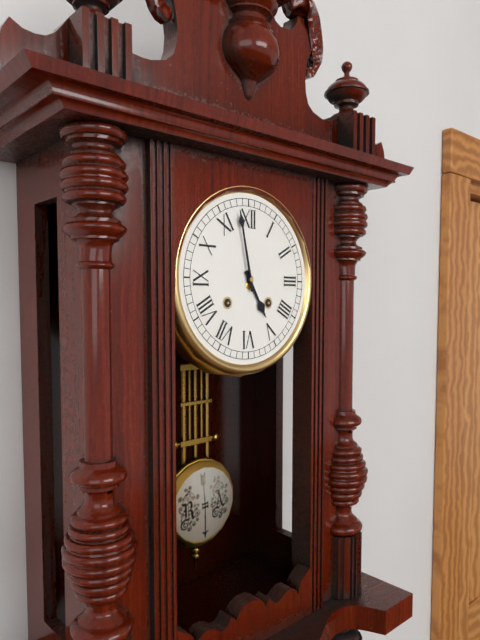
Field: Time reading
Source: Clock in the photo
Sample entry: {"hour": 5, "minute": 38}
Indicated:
{"hour": 4, "minute": 58}
